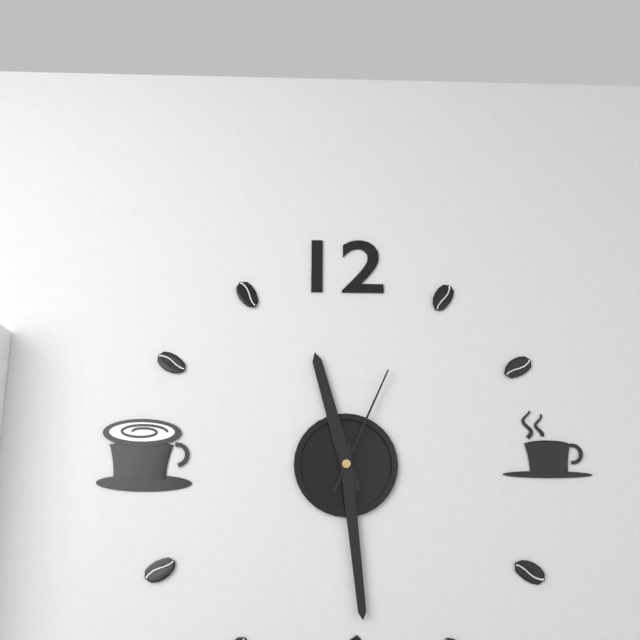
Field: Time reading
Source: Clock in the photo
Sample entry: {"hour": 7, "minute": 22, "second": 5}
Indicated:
{"hour": 11, "minute": 29, "second": 4}
